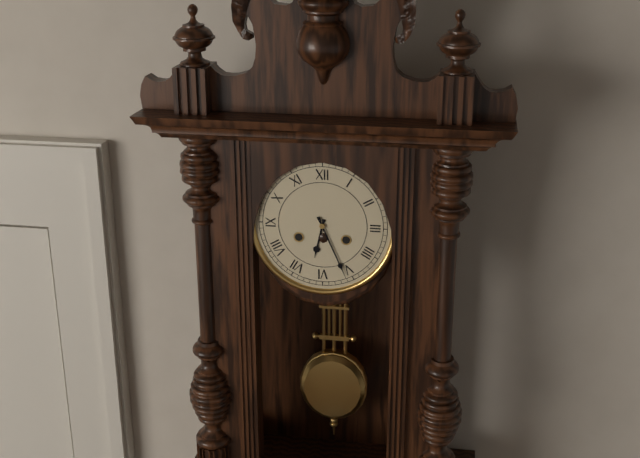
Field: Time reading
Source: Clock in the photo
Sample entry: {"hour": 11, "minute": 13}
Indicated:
{"hour": 6, "minute": 26}
